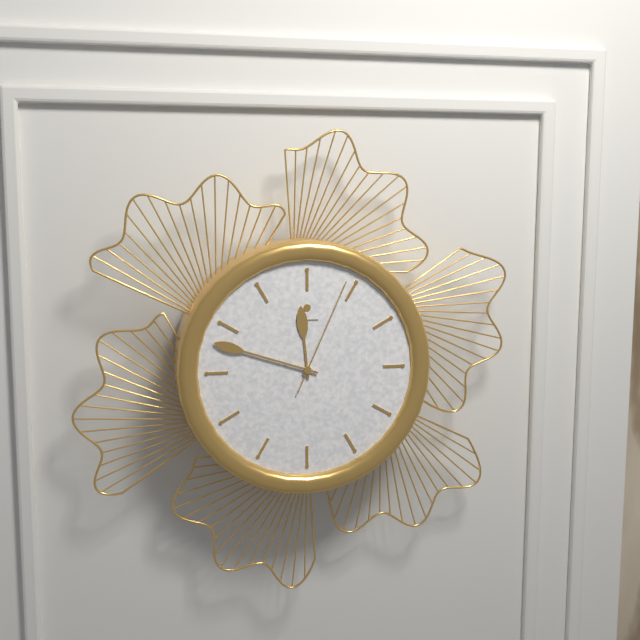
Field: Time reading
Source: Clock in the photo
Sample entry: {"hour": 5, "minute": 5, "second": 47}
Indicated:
{"hour": 11, "minute": 48, "second": 4}
